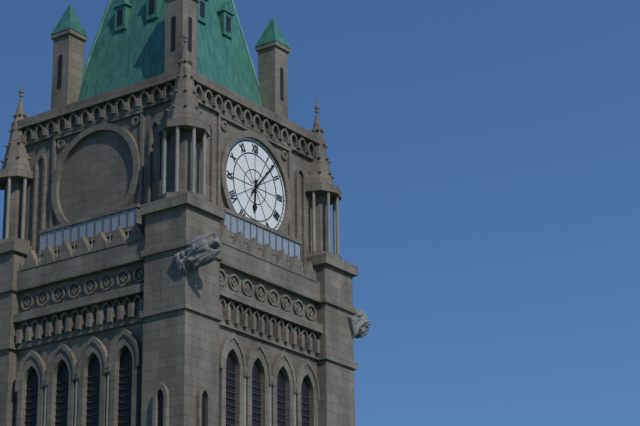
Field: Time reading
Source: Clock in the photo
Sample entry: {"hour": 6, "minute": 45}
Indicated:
{"hour": 6, "minute": 7}
